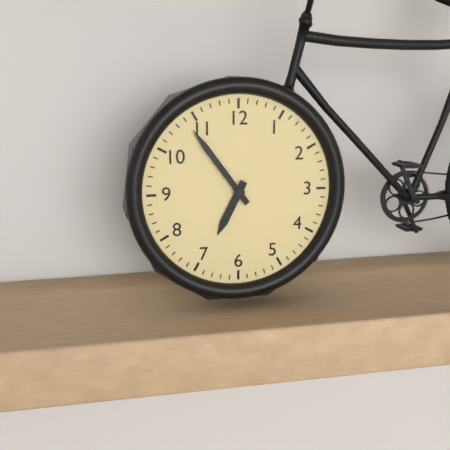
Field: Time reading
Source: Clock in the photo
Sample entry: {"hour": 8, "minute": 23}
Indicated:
{"hour": 6, "minute": 54}
